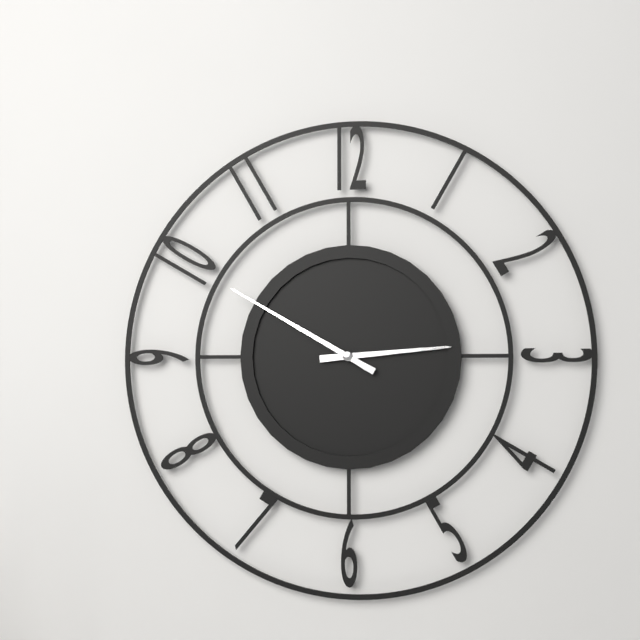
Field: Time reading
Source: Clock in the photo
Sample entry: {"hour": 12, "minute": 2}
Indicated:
{"hour": 2, "minute": 50}
